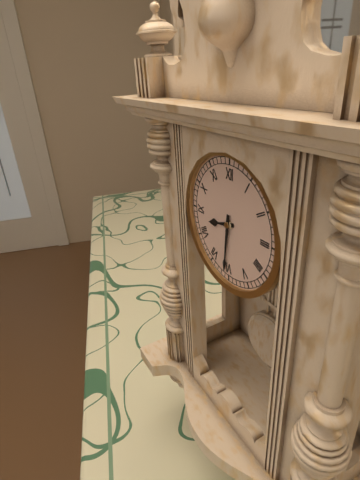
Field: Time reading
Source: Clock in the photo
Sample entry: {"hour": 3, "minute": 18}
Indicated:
{"hour": 8, "minute": 31}
